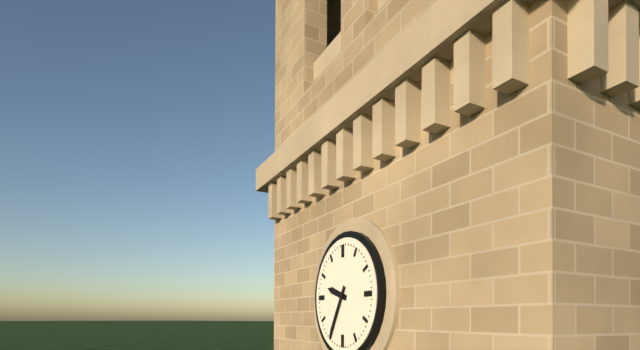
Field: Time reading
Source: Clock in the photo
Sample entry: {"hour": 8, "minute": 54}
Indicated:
{"hour": 9, "minute": 35}
